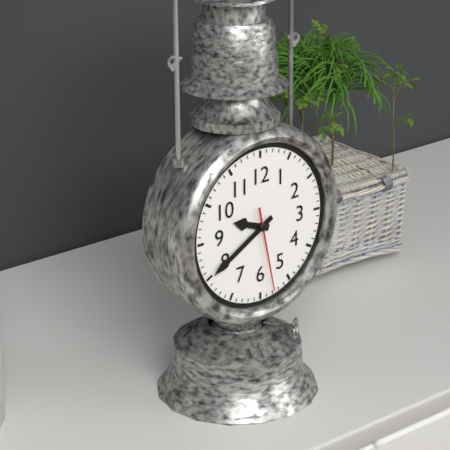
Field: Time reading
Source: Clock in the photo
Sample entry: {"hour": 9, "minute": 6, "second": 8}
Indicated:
{"hour": 9, "minute": 40, "second": 28}
